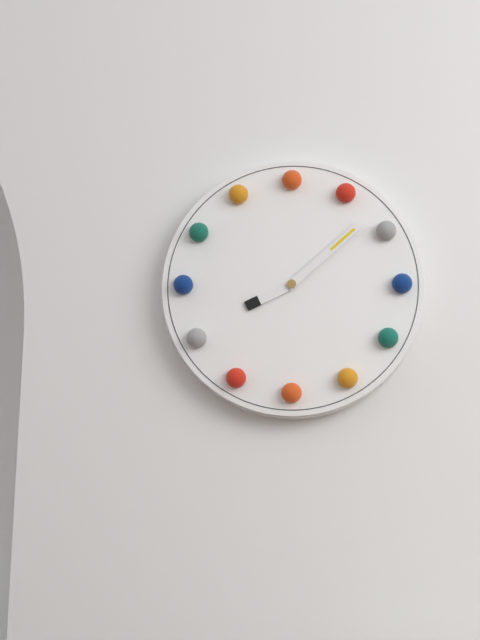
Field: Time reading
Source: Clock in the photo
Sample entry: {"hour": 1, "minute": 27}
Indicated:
{"hour": 8, "minute": 8}
